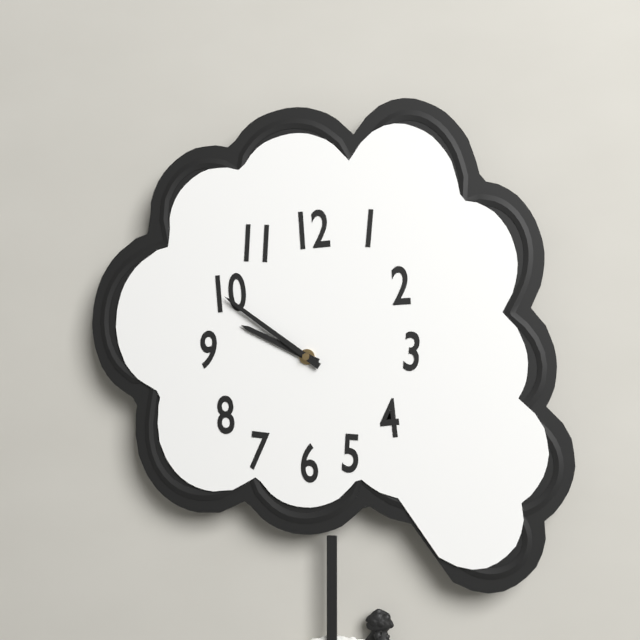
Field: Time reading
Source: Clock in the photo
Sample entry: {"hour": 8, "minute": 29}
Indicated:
{"hour": 9, "minute": 51}
